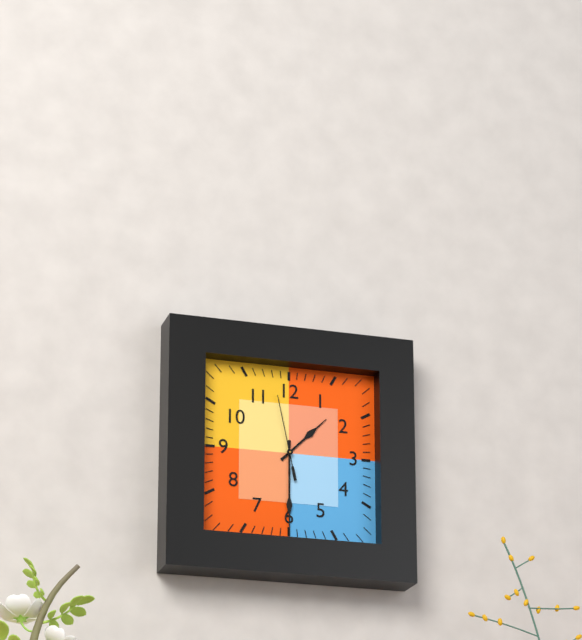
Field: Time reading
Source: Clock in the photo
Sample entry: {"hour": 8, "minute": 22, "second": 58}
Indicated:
{"hour": 1, "minute": 30, "second": 58}
